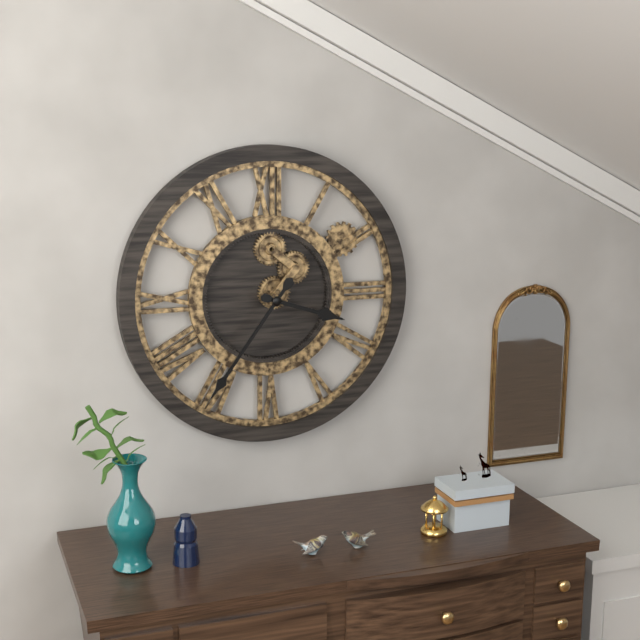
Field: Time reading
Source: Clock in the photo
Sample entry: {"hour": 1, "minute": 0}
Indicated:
{"hour": 3, "minute": 36}
